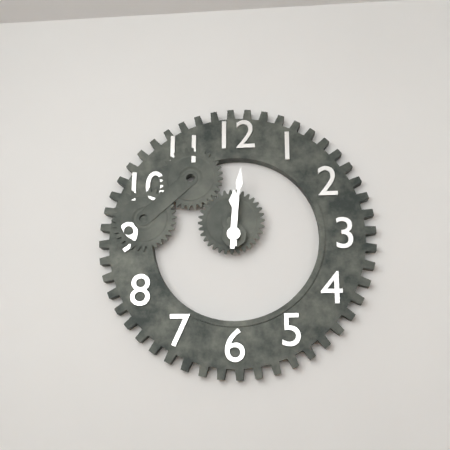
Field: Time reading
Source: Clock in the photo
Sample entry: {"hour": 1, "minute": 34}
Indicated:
{"hour": 12, "minute": 1}
